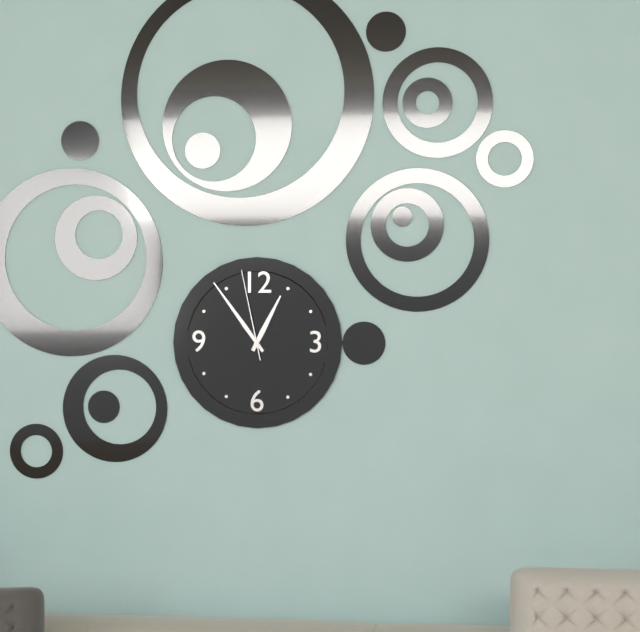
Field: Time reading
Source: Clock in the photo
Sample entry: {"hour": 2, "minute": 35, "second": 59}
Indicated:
{"hour": 12, "minute": 54, "second": 58}
